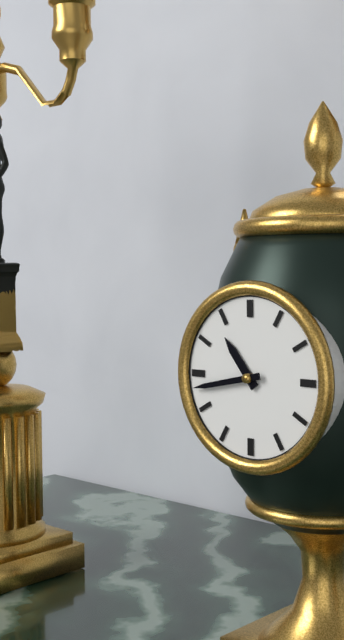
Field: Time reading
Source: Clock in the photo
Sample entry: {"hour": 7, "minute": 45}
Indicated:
{"hour": 10, "minute": 43}
